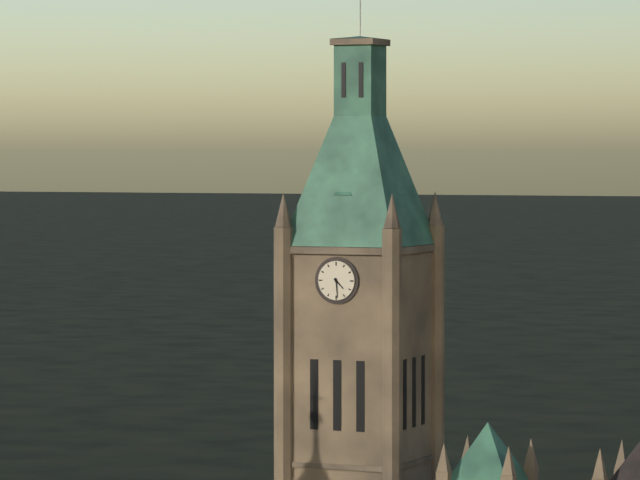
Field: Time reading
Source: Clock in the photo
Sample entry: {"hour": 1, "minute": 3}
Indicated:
{"hour": 4, "minute": 29}
